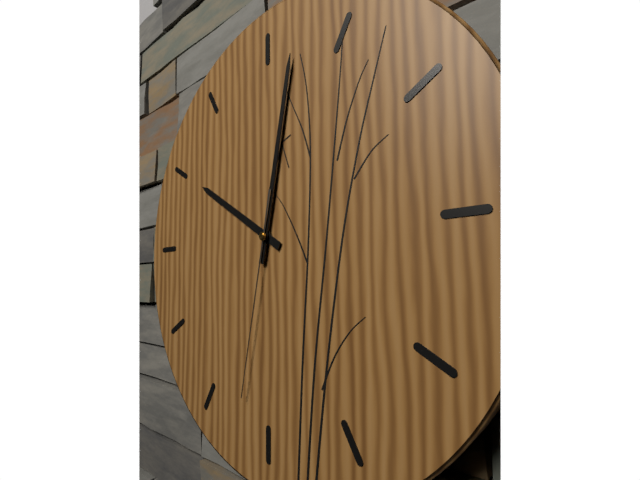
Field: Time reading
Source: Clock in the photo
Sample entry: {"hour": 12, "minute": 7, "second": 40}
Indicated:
{"hour": 10, "minute": 2, "second": 32}
